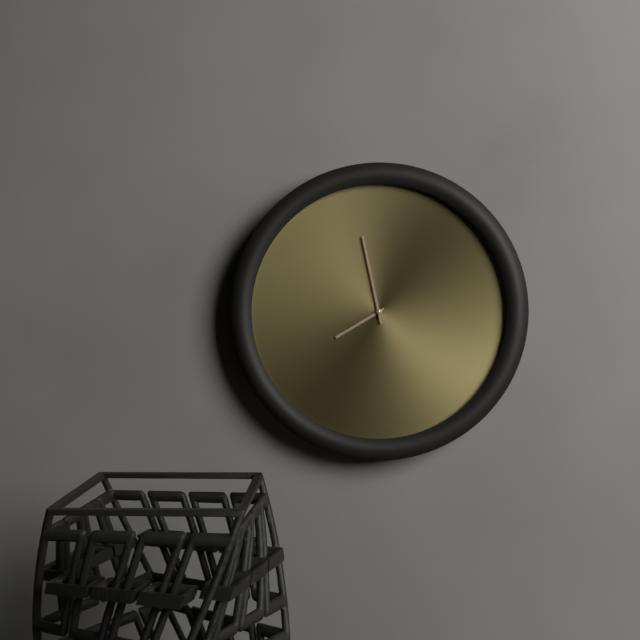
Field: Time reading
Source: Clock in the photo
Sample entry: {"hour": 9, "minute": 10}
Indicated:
{"hour": 7, "minute": 58}
